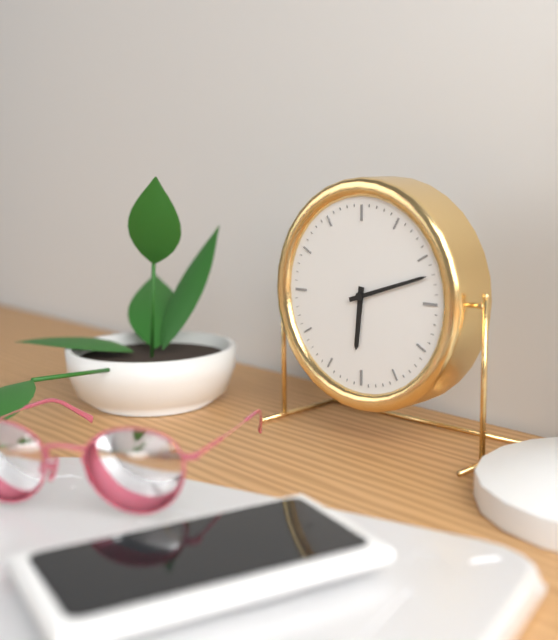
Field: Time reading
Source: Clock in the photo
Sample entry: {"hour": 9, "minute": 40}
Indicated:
{"hour": 6, "minute": 12}
